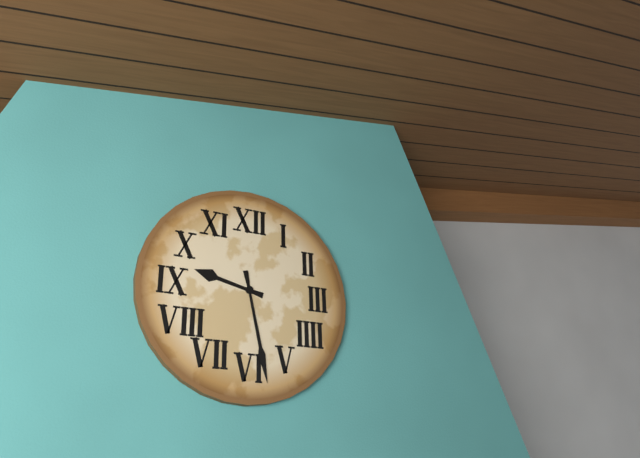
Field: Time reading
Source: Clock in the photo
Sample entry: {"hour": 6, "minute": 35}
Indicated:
{"hour": 9, "minute": 28}
